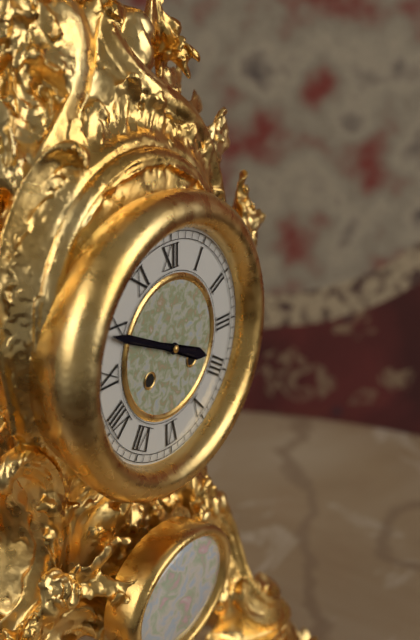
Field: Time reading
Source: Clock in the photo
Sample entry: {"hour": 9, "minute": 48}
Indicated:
{"hour": 3, "minute": 49}
